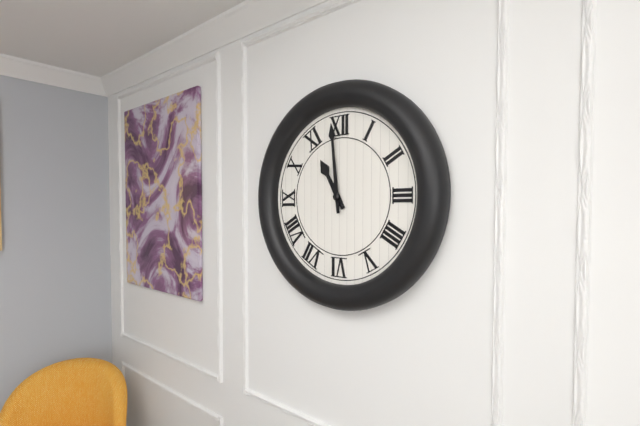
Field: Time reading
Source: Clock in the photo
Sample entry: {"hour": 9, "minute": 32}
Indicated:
{"hour": 10, "minute": 59}
